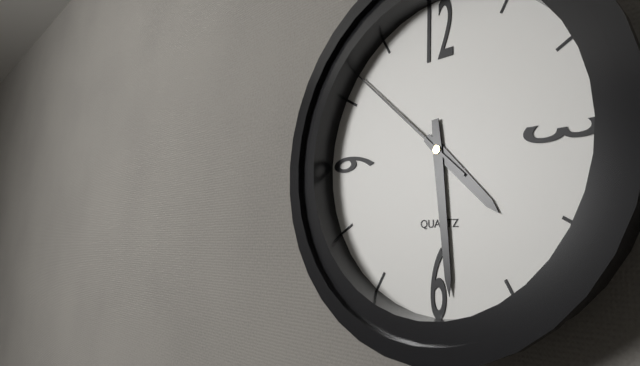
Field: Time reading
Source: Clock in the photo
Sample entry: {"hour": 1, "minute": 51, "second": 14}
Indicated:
{"hour": 4, "minute": 29, "second": 52}
